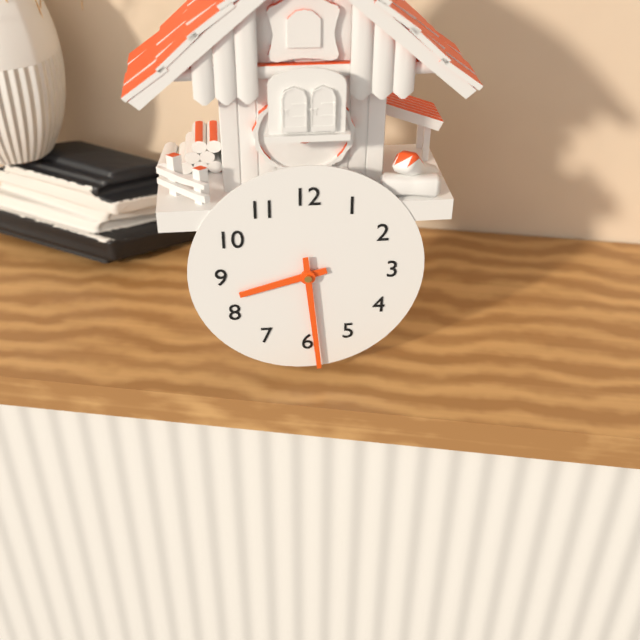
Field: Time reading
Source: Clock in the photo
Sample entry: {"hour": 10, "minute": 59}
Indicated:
{"hour": 8, "minute": 29}
